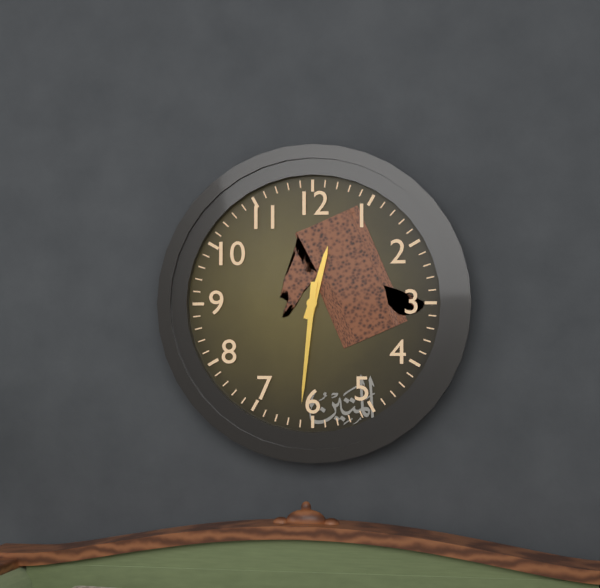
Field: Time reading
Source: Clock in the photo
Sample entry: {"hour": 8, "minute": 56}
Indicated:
{"hour": 12, "minute": 31}
